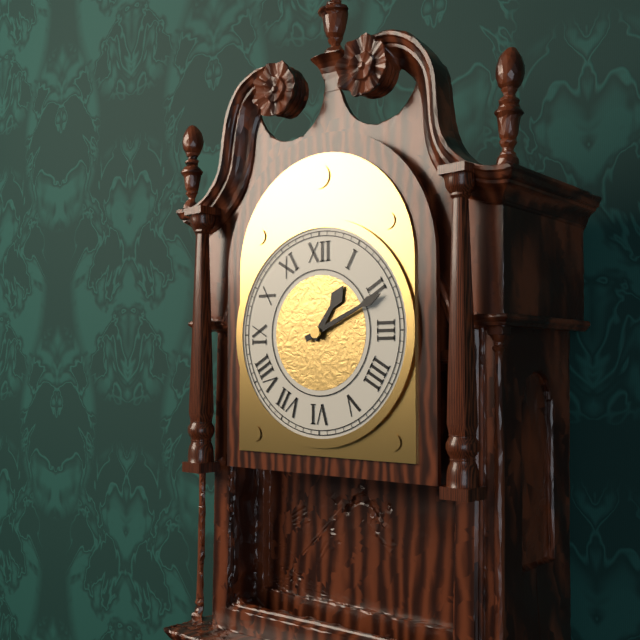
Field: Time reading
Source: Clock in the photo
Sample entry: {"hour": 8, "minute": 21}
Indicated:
{"hour": 1, "minute": 11}
